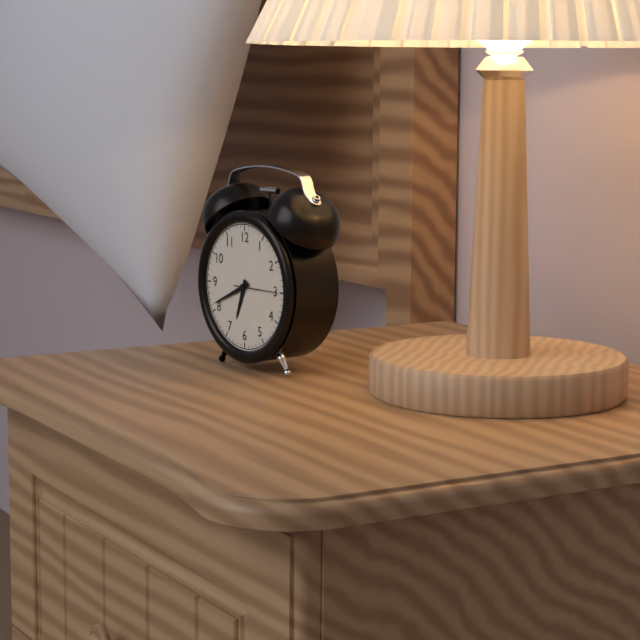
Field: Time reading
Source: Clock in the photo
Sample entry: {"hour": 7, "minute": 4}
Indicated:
{"hour": 6, "minute": 41}
